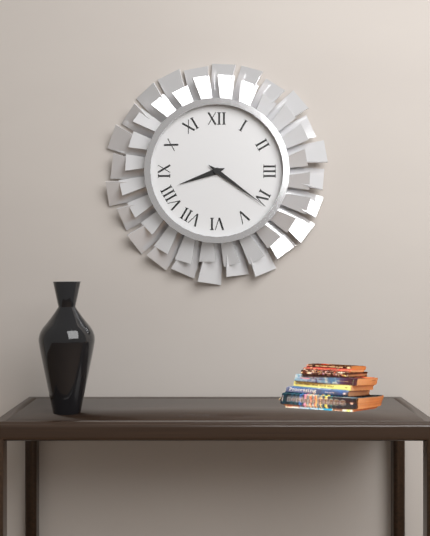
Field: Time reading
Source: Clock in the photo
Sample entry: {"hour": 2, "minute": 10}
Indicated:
{"hour": 8, "minute": 21}
